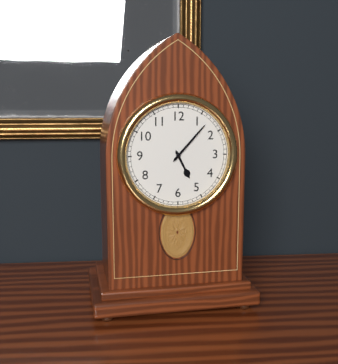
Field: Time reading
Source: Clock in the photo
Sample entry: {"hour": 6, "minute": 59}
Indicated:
{"hour": 5, "minute": 7}
